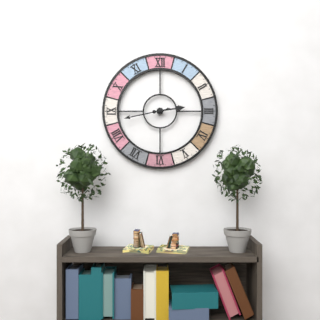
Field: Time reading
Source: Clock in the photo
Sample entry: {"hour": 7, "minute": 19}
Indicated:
{"hour": 2, "minute": 43}
